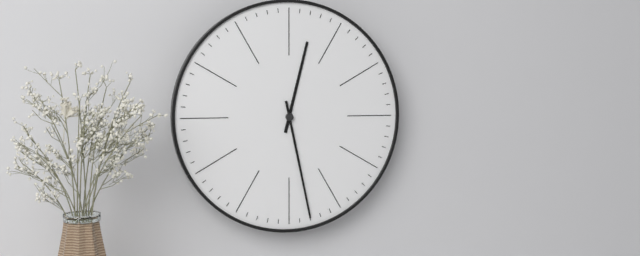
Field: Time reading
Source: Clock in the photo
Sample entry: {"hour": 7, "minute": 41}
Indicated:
{"hour": 12, "minute": 28}
